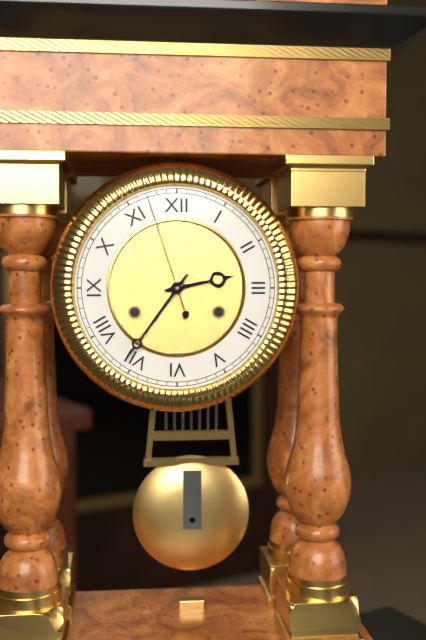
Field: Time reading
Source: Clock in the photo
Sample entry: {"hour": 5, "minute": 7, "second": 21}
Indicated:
{"hour": 2, "minute": 36, "second": 57}
